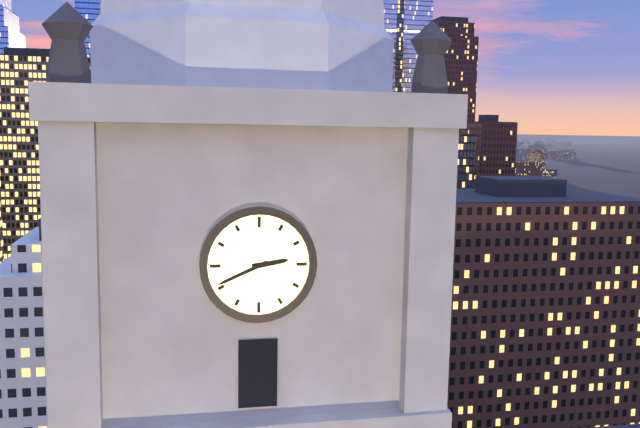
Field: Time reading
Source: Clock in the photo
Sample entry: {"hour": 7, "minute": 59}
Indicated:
{"hour": 2, "minute": 41}
